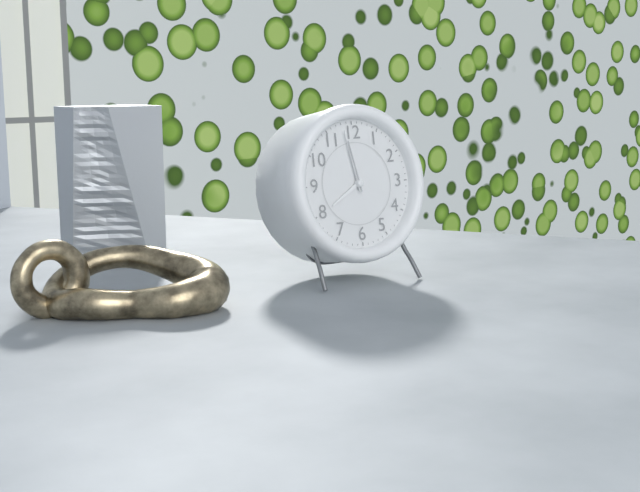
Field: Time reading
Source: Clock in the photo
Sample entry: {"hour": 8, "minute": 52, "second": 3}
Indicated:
{"hour": 7, "minute": 58, "second": 58}
